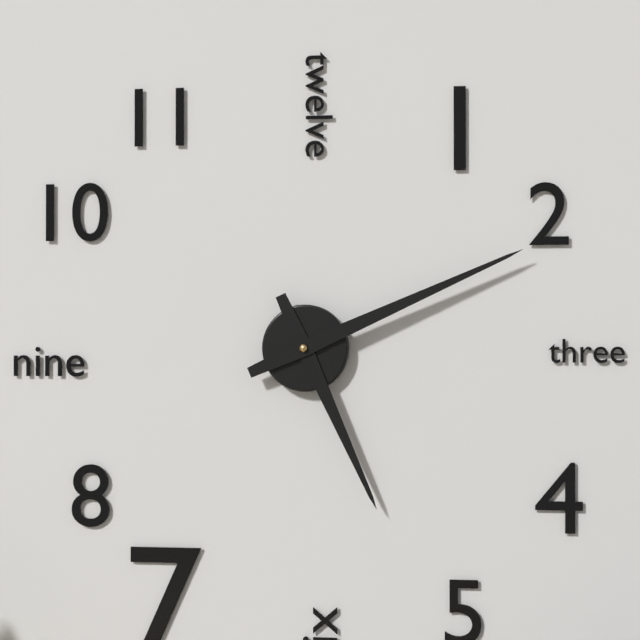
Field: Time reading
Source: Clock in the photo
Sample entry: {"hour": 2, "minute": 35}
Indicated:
{"hour": 5, "minute": 11}
